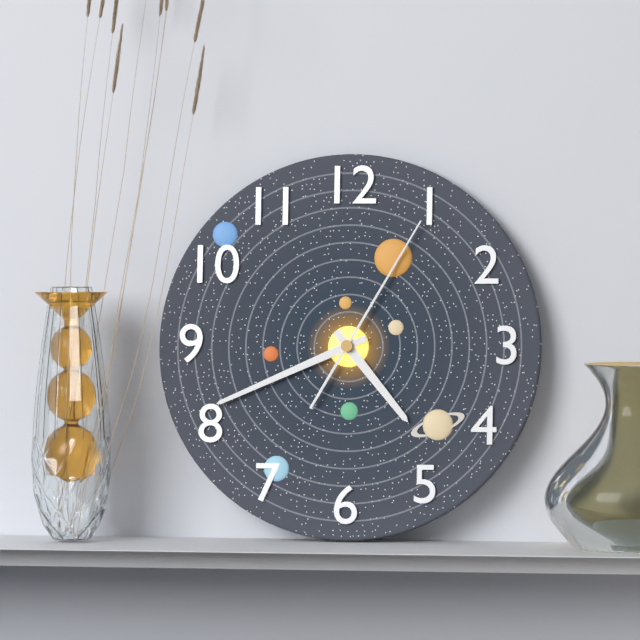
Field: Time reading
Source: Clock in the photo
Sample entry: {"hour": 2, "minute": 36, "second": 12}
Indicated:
{"hour": 4, "minute": 41, "second": 5}
